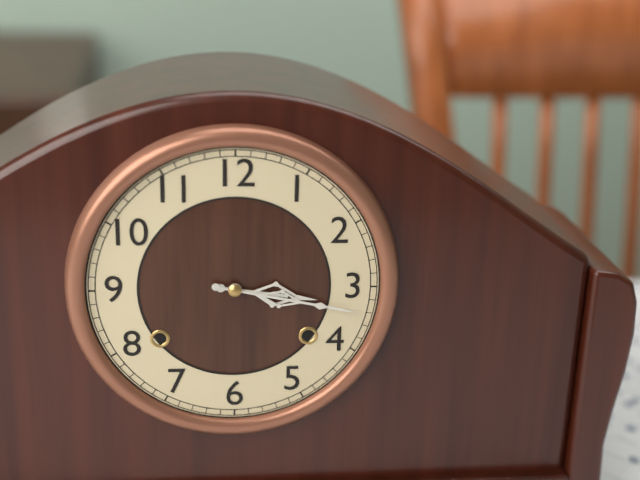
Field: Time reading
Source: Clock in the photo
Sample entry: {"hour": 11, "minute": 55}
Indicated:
{"hour": 3, "minute": 17}
